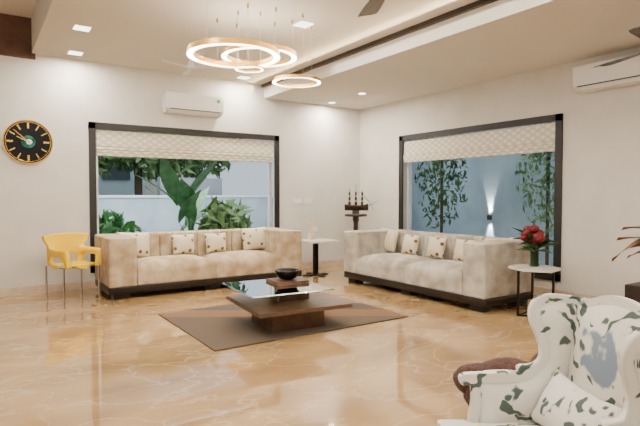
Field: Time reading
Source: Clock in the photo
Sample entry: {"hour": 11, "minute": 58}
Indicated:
{"hour": 9, "minute": 52}
